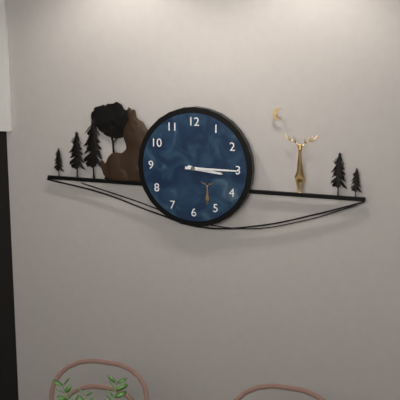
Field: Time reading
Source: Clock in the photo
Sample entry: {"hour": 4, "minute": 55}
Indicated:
{"hour": 3, "minute": 15}
